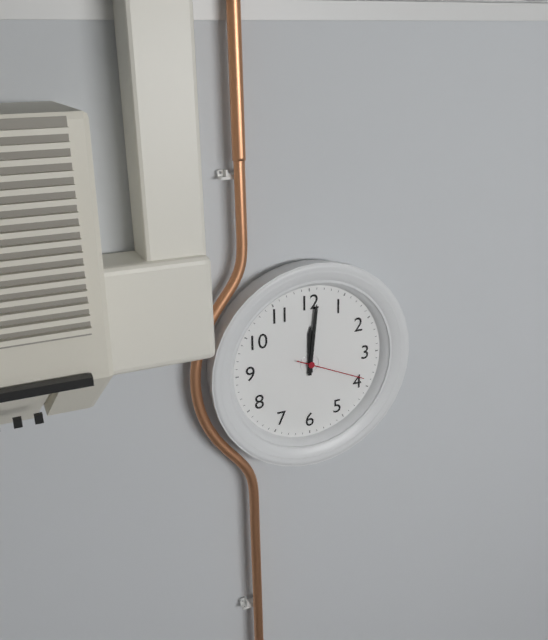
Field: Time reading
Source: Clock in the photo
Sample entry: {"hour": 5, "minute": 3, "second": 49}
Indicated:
{"hour": 12, "minute": 1, "second": 19}
